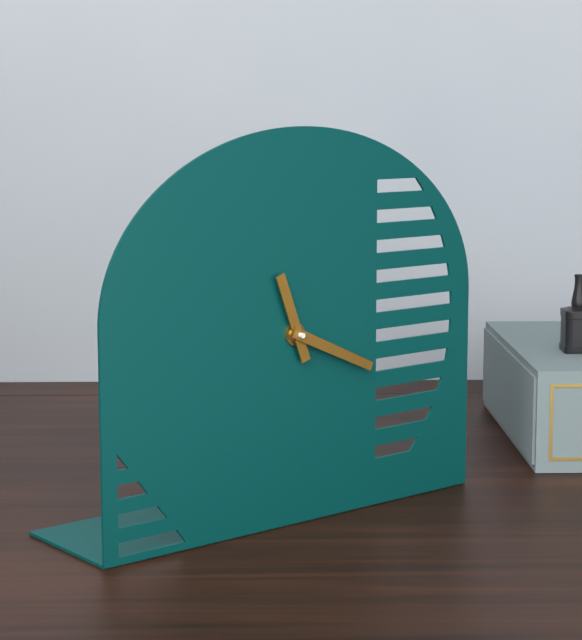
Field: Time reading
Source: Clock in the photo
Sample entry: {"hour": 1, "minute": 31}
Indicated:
{"hour": 11, "minute": 19}
